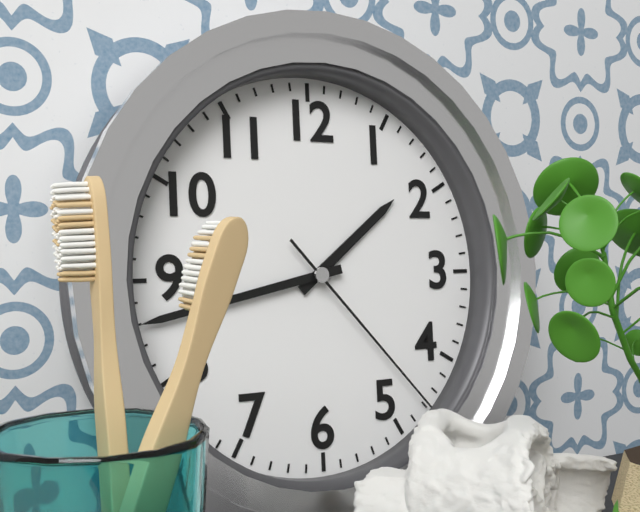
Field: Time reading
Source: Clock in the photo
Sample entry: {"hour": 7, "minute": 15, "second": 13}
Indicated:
{"hour": 1, "minute": 43, "second": 23}
